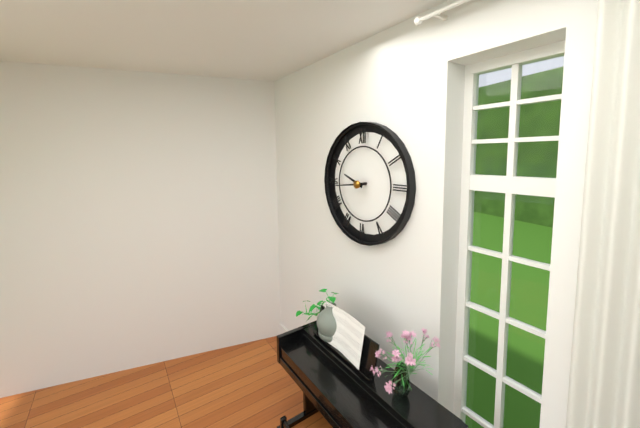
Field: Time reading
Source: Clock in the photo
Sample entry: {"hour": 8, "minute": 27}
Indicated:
{"hour": 9, "minute": 44}
